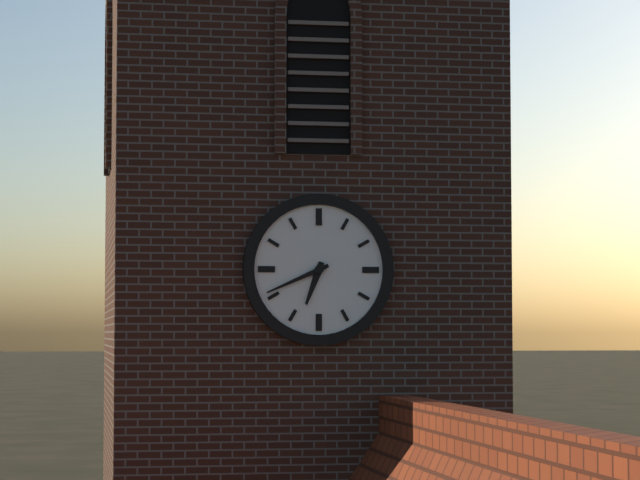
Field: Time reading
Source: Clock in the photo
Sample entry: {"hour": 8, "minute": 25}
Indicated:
{"hour": 6, "minute": 41}
